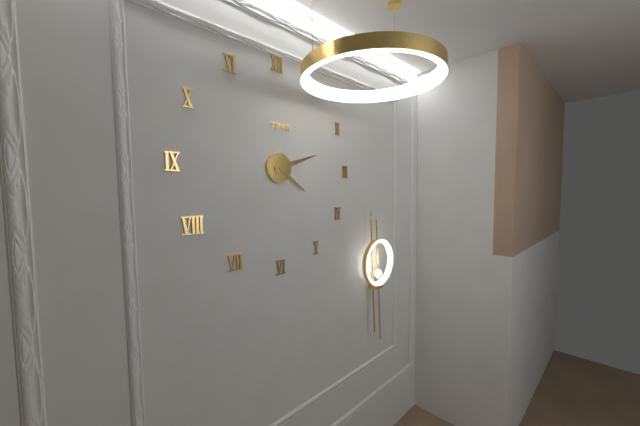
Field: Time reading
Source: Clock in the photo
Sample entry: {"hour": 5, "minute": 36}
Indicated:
{"hour": 4, "minute": 12}
